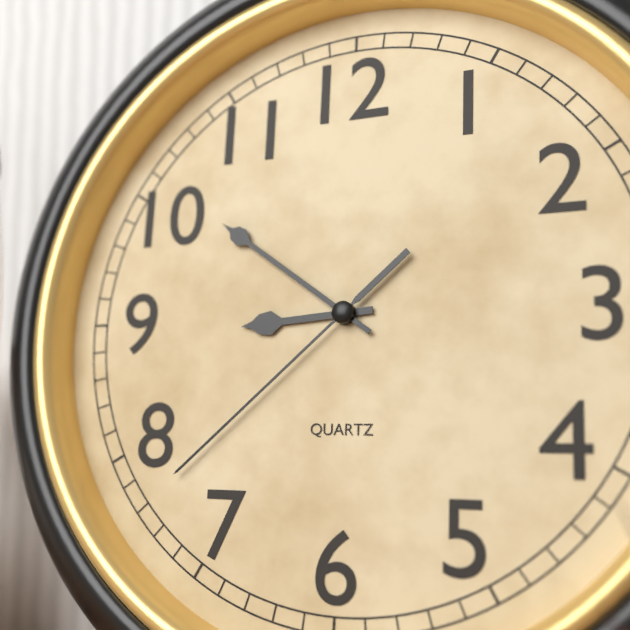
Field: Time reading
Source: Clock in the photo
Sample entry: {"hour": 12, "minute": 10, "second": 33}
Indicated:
{"hour": 8, "minute": 51, "second": 38}
